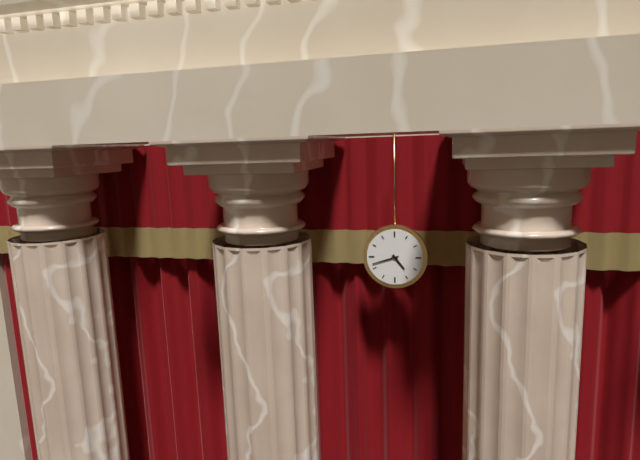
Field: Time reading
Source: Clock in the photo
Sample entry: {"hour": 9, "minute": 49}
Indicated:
{"hour": 4, "minute": 42}
